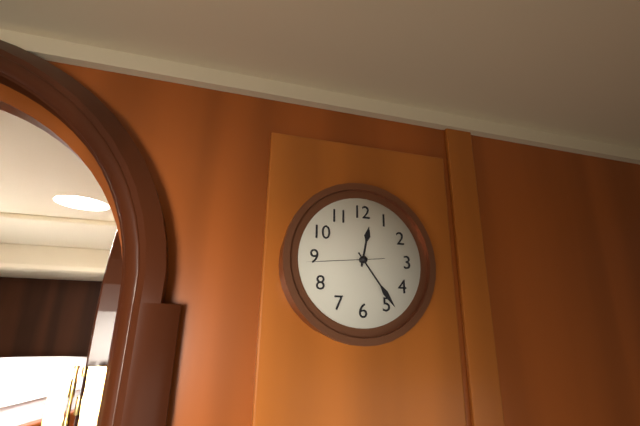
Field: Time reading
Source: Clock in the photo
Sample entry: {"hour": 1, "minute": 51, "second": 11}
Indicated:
{"hour": 12, "minute": 24, "second": 44}
